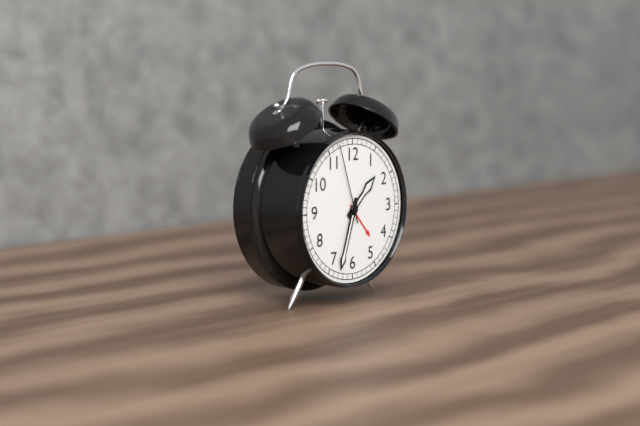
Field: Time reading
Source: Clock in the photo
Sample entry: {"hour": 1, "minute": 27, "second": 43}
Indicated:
{"hour": 1, "minute": 33, "second": 57}
